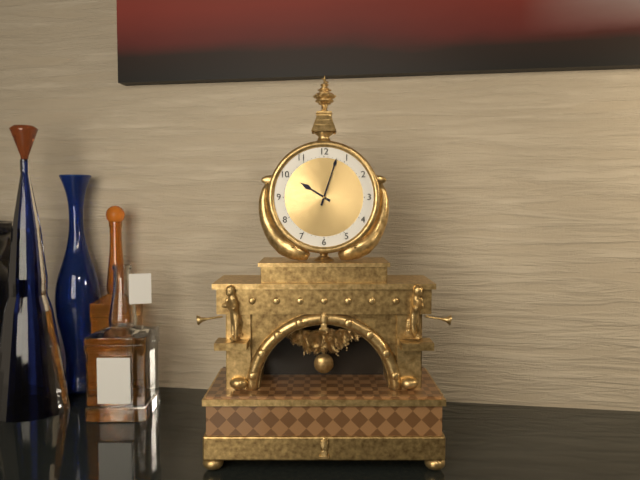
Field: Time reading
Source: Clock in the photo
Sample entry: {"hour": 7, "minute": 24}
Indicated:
{"hour": 10, "minute": 3}
